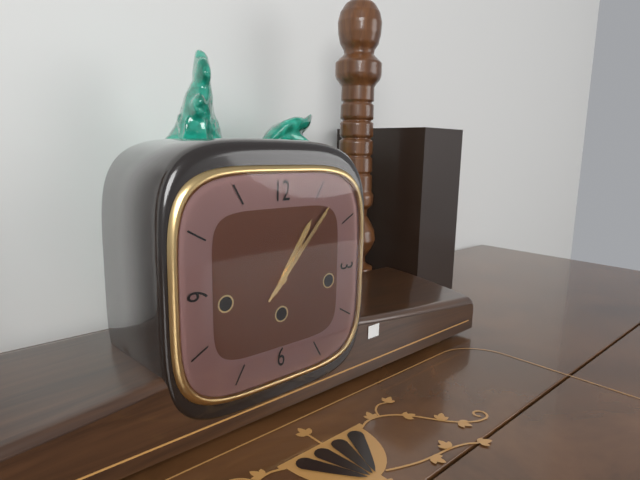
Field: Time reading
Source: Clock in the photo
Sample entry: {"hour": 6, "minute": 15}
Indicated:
{"hour": 1, "minute": 7}
